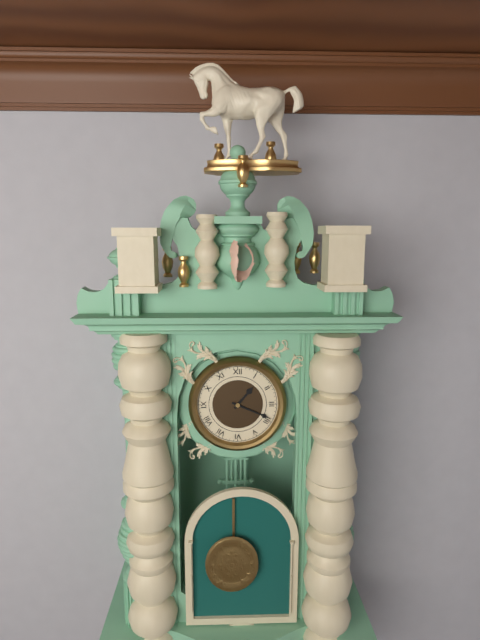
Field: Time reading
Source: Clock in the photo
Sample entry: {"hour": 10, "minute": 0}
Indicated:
{"hour": 1, "minute": 19}
